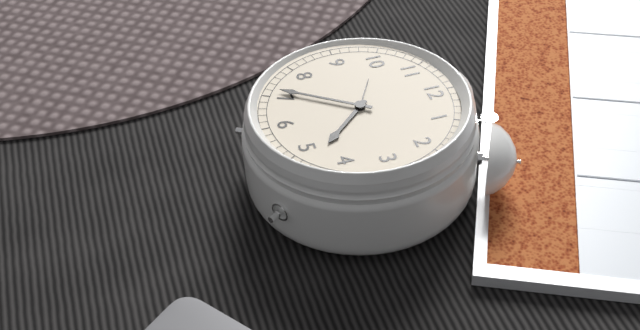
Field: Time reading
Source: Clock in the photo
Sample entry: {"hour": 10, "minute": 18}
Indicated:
{"hour": 4, "minute": 36}
